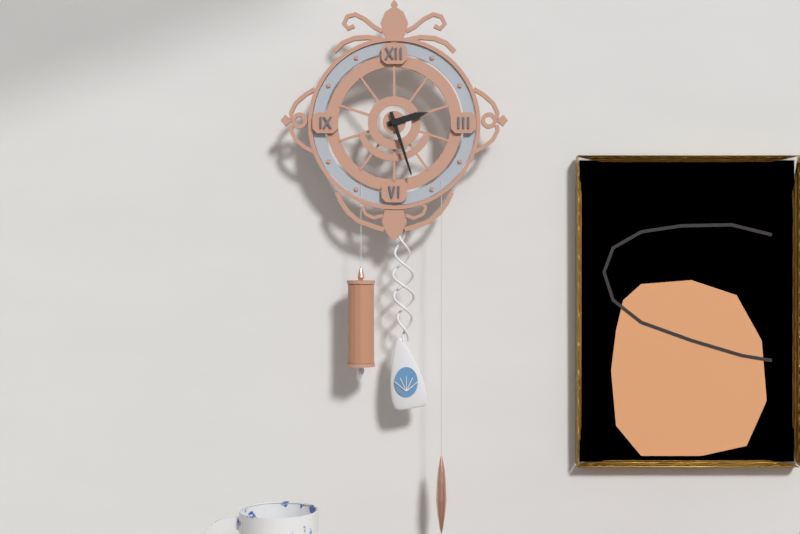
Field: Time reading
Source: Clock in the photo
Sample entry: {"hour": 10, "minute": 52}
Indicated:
{"hour": 2, "minute": 27}
